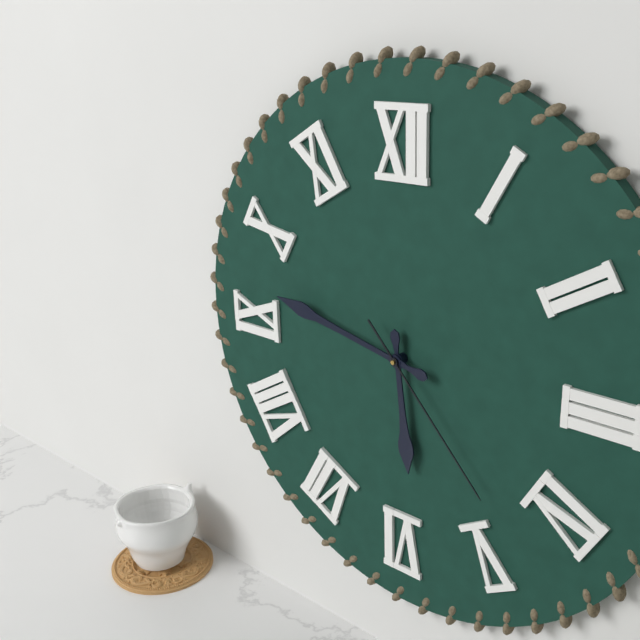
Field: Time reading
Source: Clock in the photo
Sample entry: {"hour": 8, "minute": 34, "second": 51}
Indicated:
{"hour": 5, "minute": 47, "second": 23}
